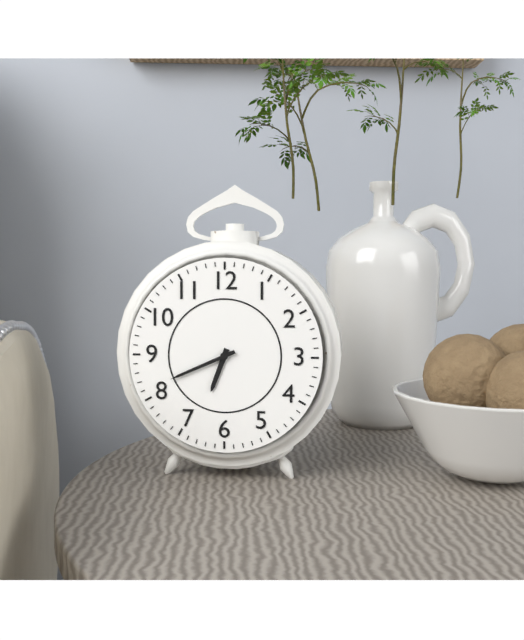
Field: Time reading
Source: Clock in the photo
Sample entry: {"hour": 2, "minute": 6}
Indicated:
{"hour": 6, "minute": 41}
